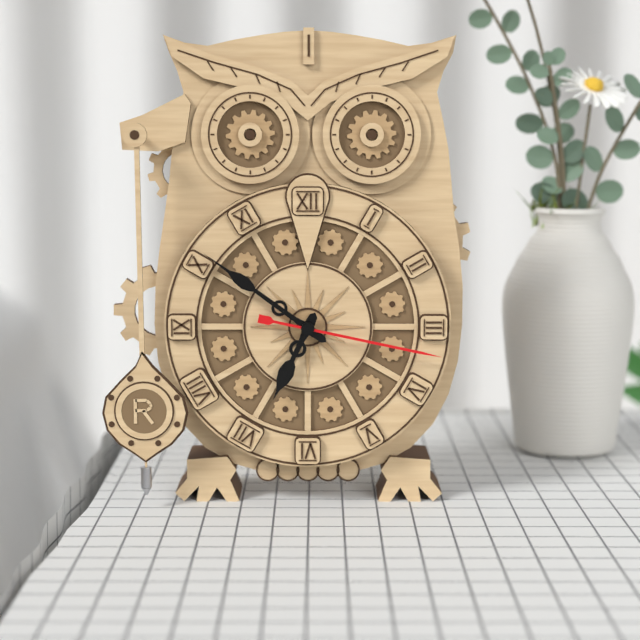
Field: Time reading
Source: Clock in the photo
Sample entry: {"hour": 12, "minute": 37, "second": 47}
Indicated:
{"hour": 6, "minute": 51, "second": 17}
